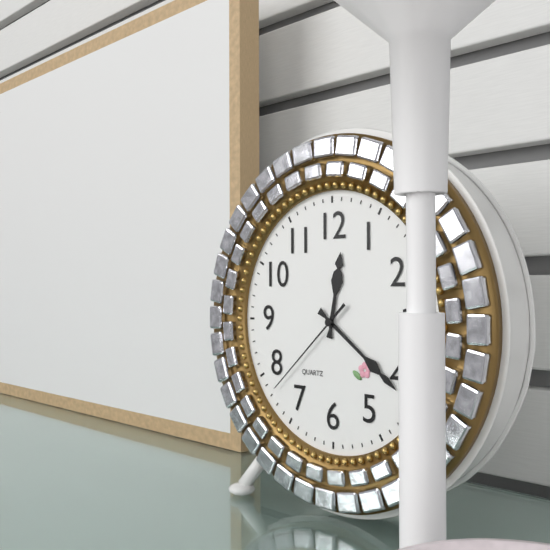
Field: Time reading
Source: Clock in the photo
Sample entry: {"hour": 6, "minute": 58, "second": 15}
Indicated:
{"hour": 12, "minute": 21, "second": 38}
